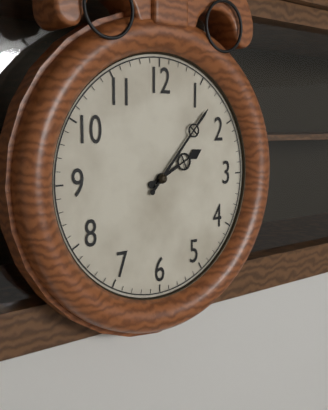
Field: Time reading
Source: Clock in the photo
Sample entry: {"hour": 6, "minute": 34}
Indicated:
{"hour": 2, "minute": 7}
